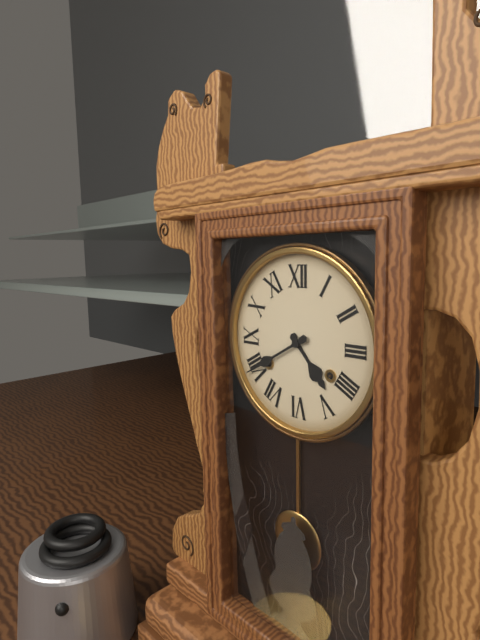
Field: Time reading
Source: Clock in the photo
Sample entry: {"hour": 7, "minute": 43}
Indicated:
{"hour": 4, "minute": 40}
